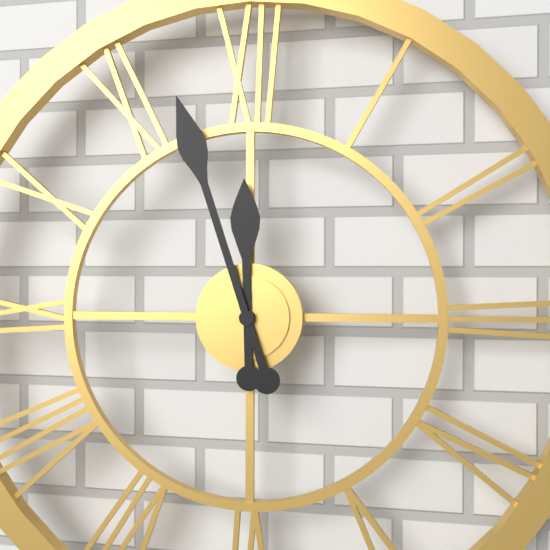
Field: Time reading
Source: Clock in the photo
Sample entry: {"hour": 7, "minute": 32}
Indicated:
{"hour": 11, "minute": 57}
